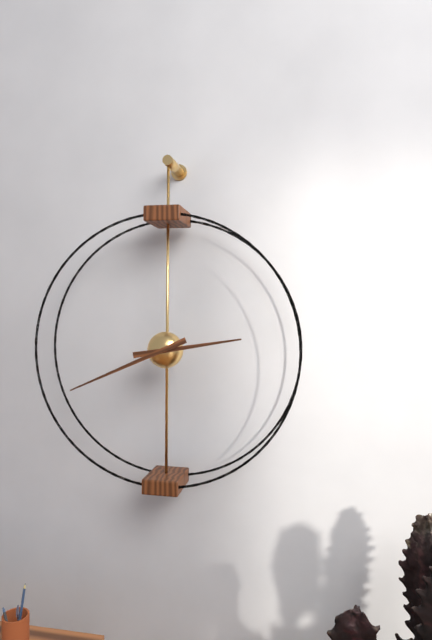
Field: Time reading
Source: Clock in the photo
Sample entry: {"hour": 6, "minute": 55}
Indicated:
{"hour": 2, "minute": 41}
